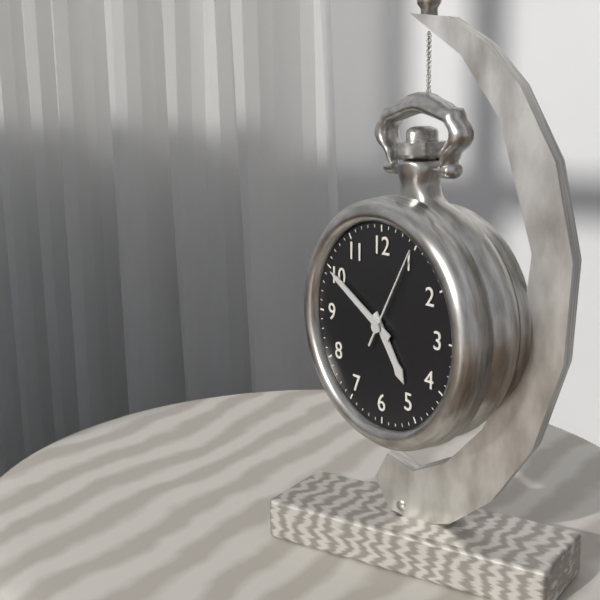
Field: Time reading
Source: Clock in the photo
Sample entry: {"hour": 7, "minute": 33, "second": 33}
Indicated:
{"hour": 4, "minute": 50, "second": 5}
